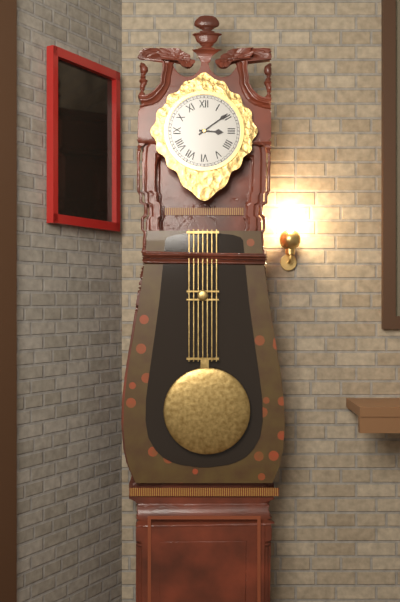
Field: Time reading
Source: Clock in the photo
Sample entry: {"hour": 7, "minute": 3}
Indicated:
{"hour": 3, "minute": 9}
